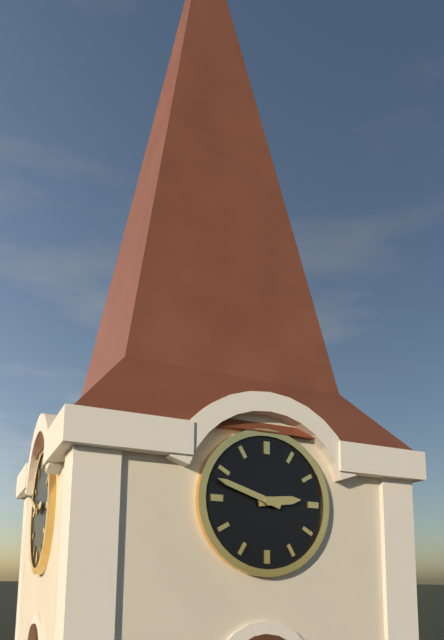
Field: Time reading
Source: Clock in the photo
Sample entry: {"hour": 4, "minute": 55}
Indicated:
{"hour": 2, "minute": 48}
